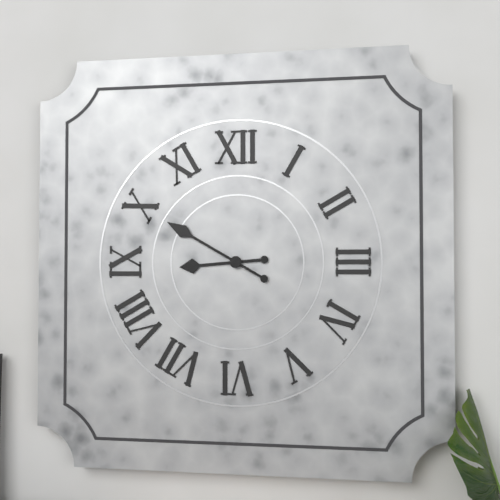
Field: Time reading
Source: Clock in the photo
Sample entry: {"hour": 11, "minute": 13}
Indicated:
{"hour": 8, "minute": 50}
